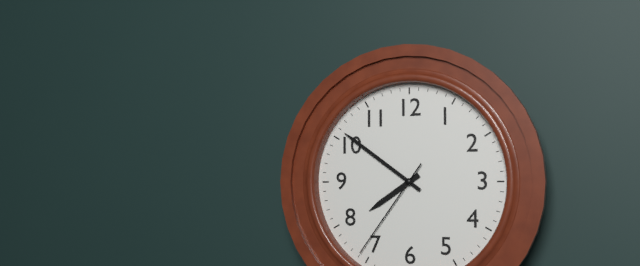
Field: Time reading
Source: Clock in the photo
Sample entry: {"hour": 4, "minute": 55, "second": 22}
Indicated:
{"hour": 7, "minute": 51, "second": 36}
